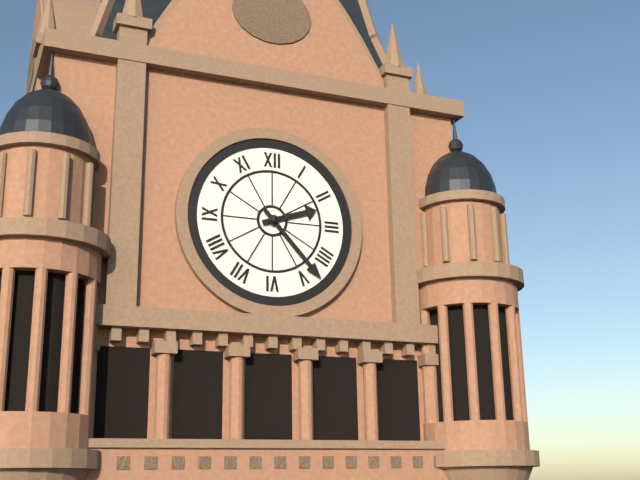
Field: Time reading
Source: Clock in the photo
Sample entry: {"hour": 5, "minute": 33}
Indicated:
{"hour": 2, "minute": 23}
